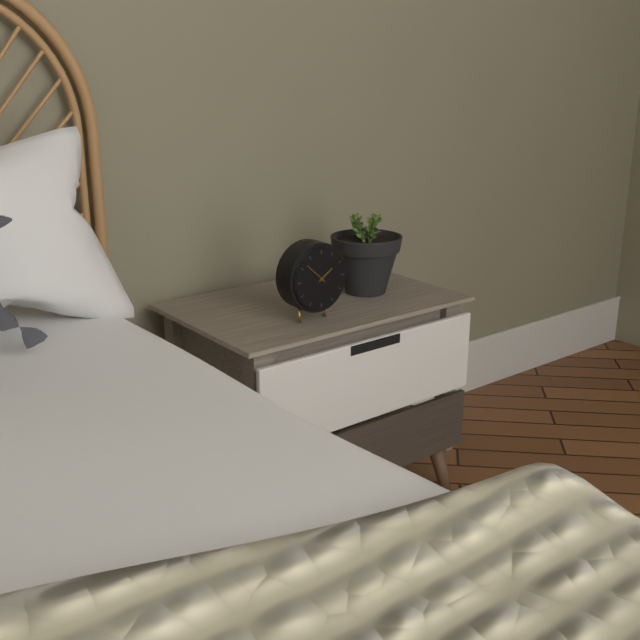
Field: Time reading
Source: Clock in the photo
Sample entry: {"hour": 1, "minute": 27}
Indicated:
{"hour": 1, "minute": 52}
